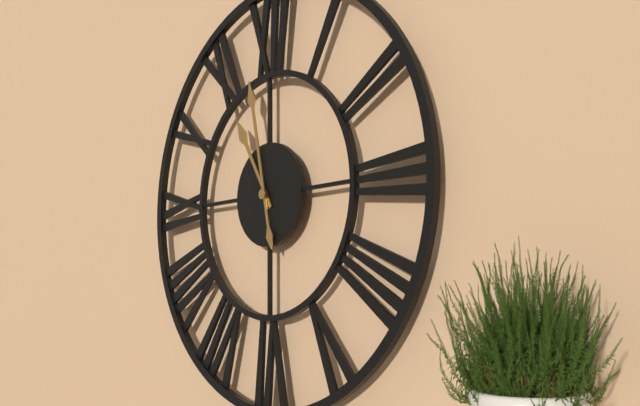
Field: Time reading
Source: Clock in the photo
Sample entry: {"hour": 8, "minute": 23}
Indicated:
{"hour": 10, "minute": 58}
